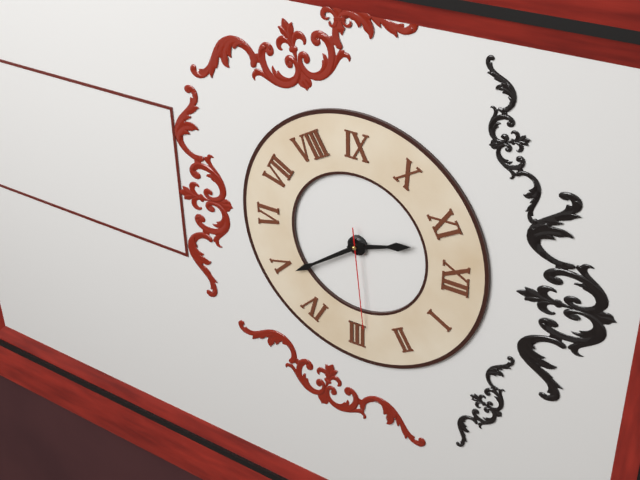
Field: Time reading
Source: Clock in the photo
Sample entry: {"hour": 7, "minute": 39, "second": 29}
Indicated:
{"hour": 11, "minute": 24, "second": 14}
